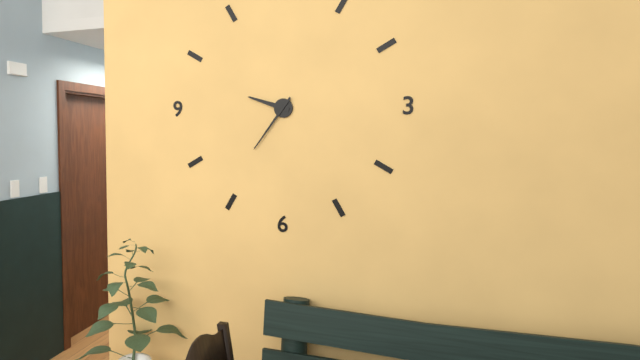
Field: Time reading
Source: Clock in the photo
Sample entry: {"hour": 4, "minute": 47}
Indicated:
{"hour": 9, "minute": 36}
